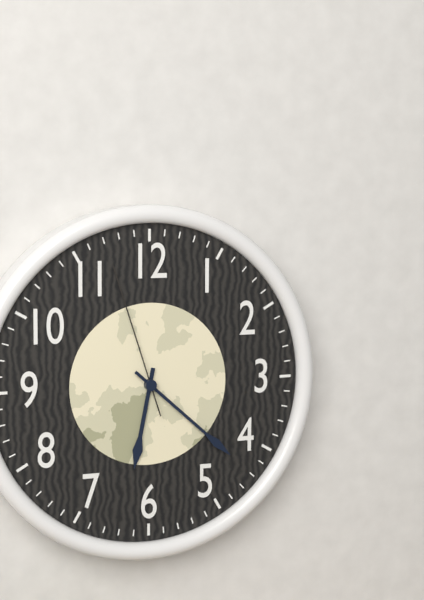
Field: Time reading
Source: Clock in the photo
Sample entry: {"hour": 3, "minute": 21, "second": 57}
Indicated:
{"hour": 6, "minute": 22, "second": 57}
